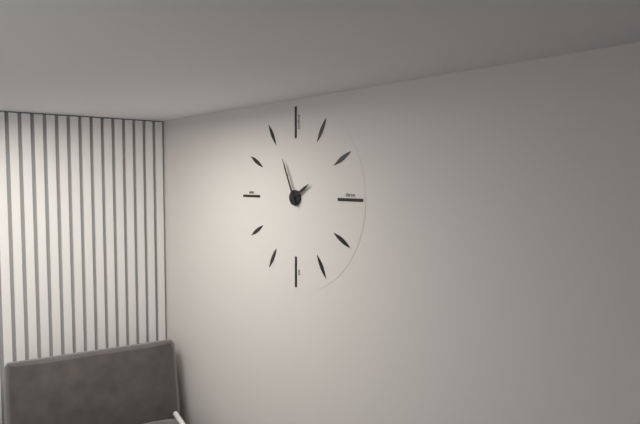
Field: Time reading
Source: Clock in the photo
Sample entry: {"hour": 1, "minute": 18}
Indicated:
{"hour": 1, "minute": 56}
